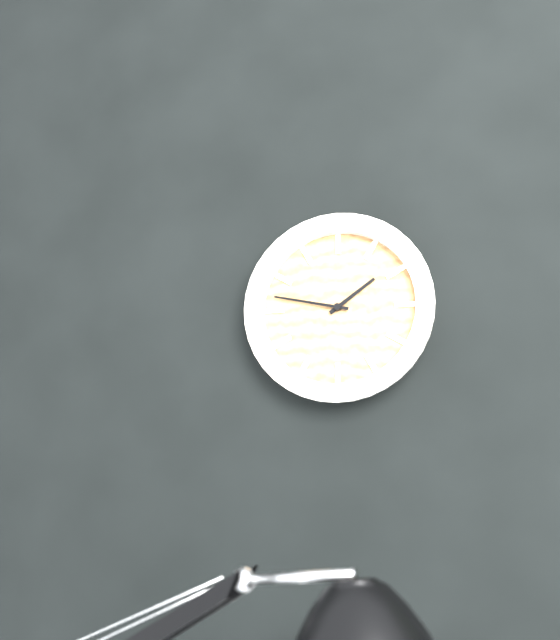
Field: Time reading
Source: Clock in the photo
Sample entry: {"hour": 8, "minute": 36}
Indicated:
{"hour": 1, "minute": 47}
